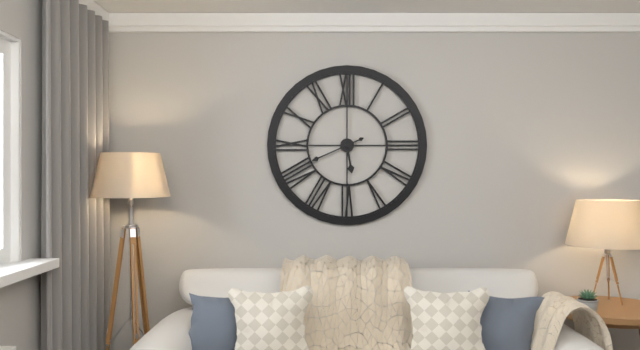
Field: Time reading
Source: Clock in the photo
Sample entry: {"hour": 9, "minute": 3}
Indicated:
{"hour": 5, "minute": 41}
